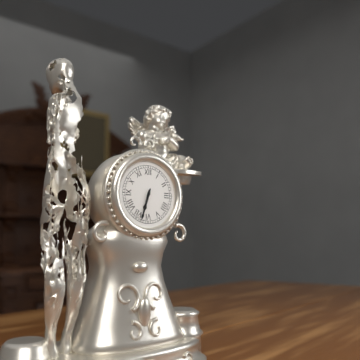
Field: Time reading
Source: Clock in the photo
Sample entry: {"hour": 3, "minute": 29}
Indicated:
{"hour": 6, "minute": 33}
